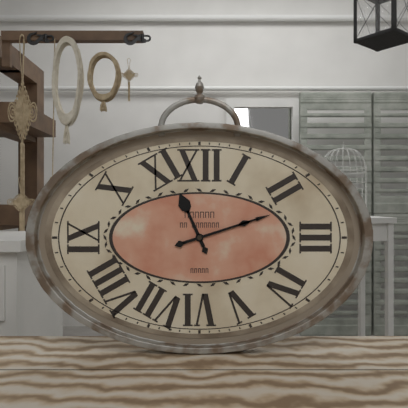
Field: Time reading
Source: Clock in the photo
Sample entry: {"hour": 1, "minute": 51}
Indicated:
{"hour": 11, "minute": 12}
